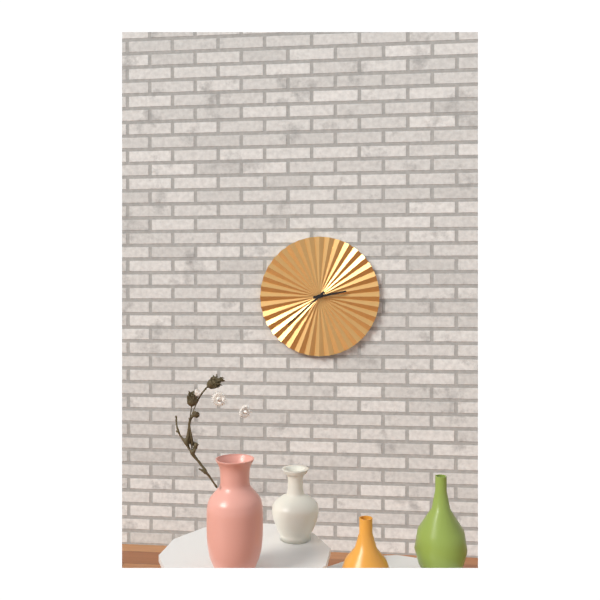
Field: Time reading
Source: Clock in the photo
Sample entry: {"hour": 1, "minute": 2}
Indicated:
{"hour": 2, "minute": 38}
